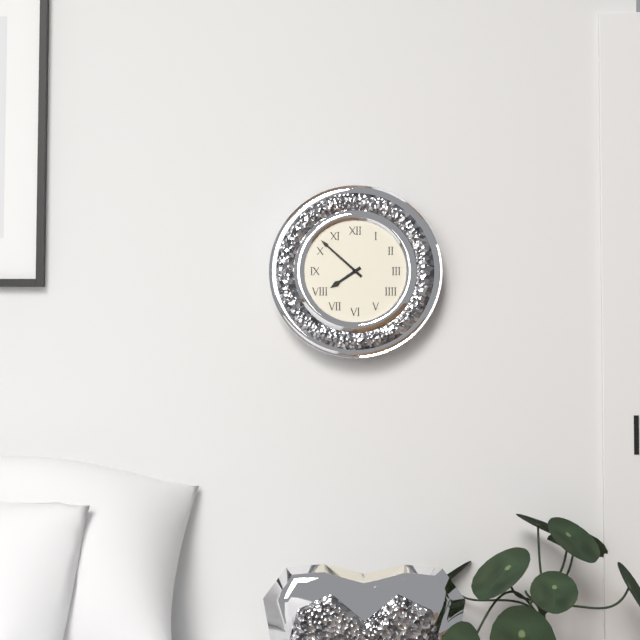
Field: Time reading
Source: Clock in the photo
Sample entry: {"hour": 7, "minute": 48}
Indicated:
{"hour": 7, "minute": 52}
